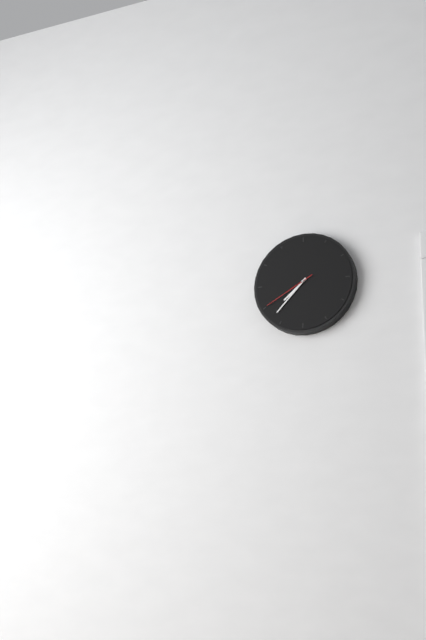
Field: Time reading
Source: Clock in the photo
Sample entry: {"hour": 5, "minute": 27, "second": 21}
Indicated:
{"hour": 7, "minute": 37, "second": 40}
